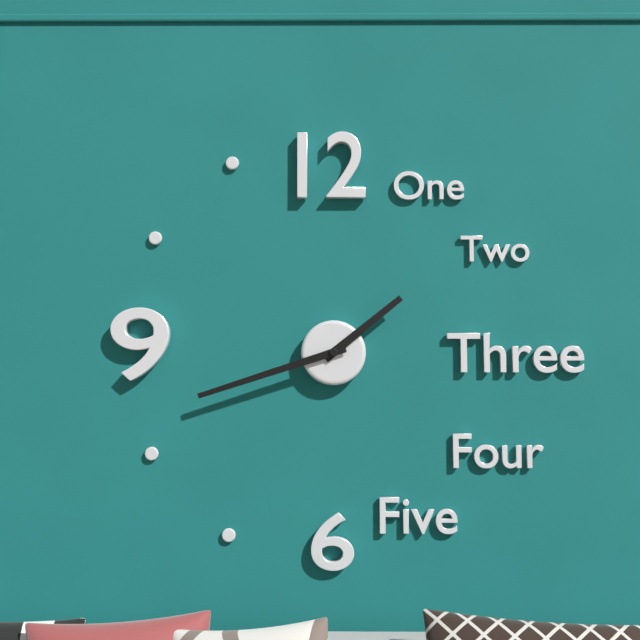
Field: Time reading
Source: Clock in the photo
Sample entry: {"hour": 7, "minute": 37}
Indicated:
{"hour": 1, "minute": 42}
